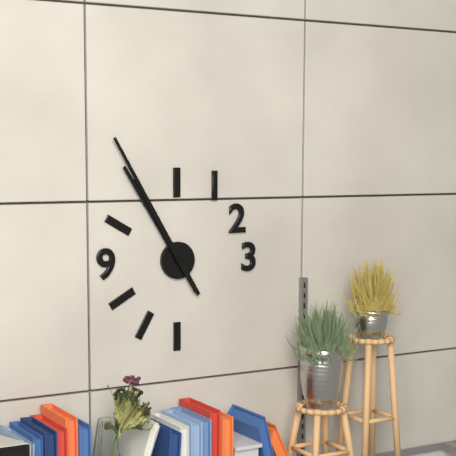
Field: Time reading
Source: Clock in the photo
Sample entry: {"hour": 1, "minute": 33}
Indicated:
{"hour": 10, "minute": 55}
